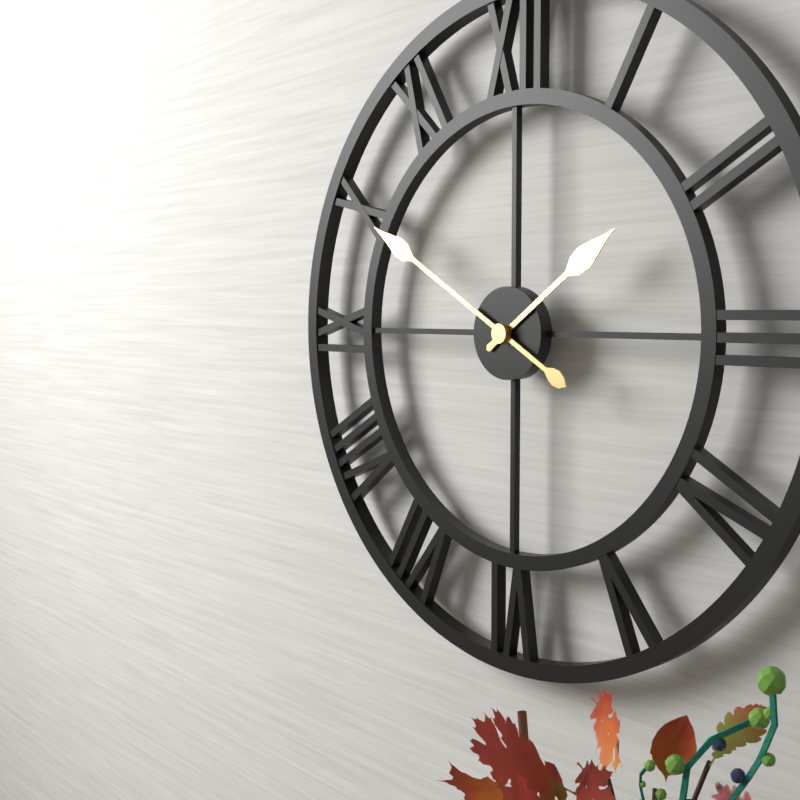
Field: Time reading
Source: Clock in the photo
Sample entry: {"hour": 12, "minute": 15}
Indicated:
{"hour": 1, "minute": 50}
